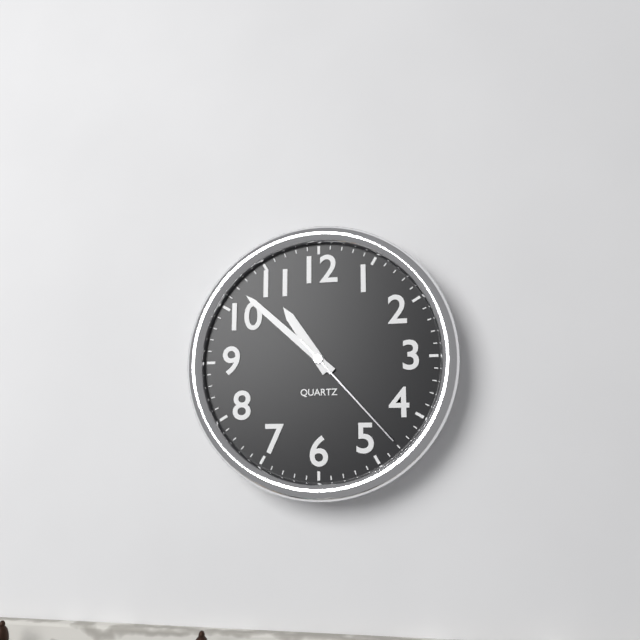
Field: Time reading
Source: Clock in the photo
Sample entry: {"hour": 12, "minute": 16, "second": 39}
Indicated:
{"hour": 10, "minute": 52, "second": 23}
